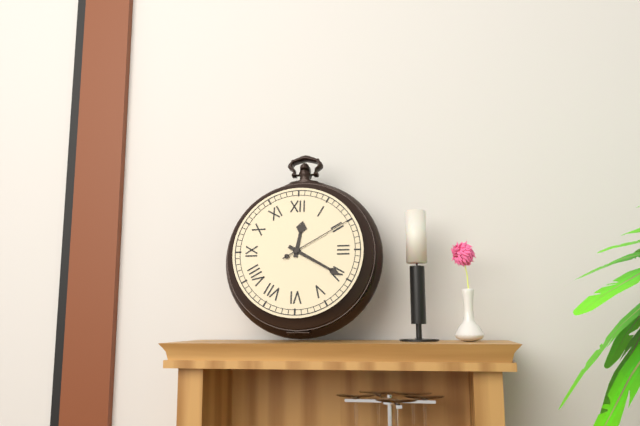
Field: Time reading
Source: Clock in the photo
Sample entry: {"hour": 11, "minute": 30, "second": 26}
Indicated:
{"hour": 12, "minute": 20, "second": 10}
